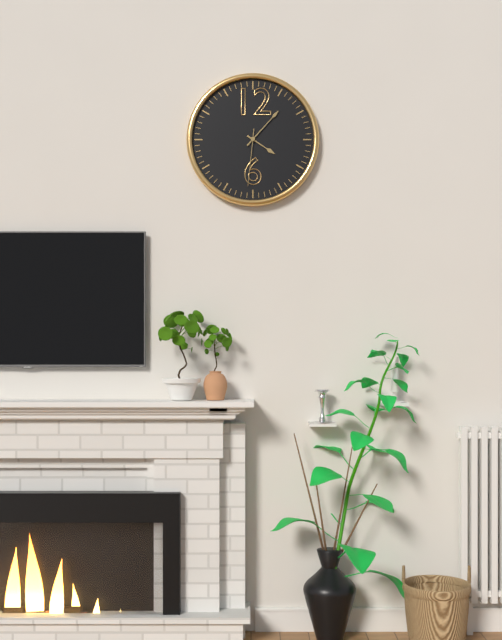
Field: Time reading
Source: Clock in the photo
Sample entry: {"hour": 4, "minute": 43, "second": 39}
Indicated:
{"hour": 4, "minute": 7, "second": 31}
